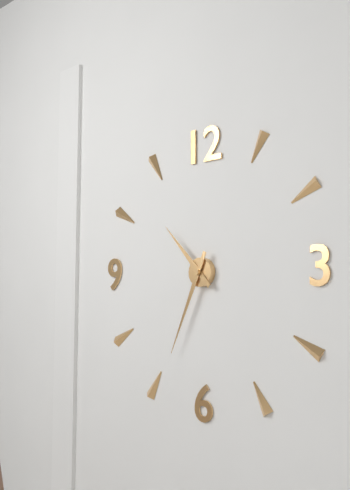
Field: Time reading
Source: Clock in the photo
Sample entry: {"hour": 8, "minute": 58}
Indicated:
{"hour": 10, "minute": 34}
